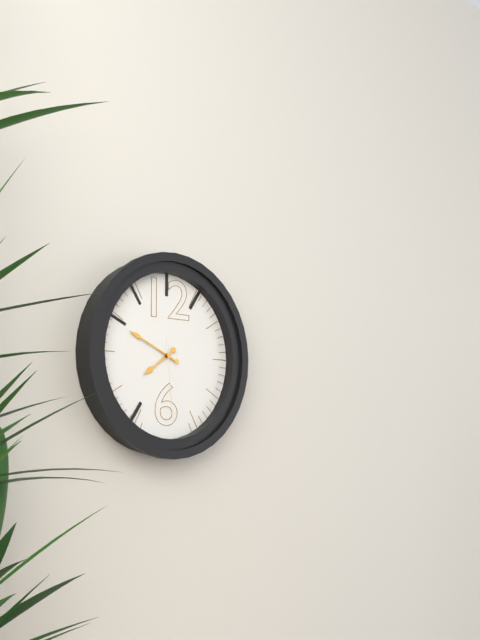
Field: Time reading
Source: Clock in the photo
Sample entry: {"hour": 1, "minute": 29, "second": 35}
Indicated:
{"hour": 7, "minute": 49, "second": 29}
